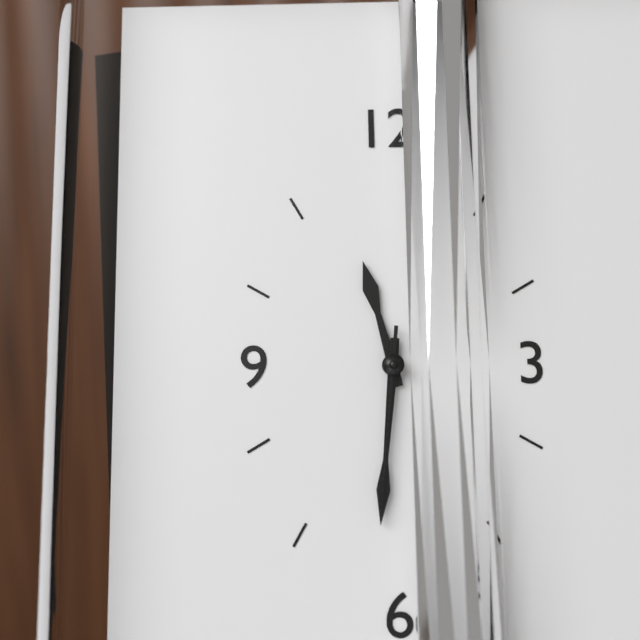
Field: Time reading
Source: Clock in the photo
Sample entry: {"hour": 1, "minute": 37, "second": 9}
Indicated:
{"hour": 11, "minute": 31, "second": 31}
